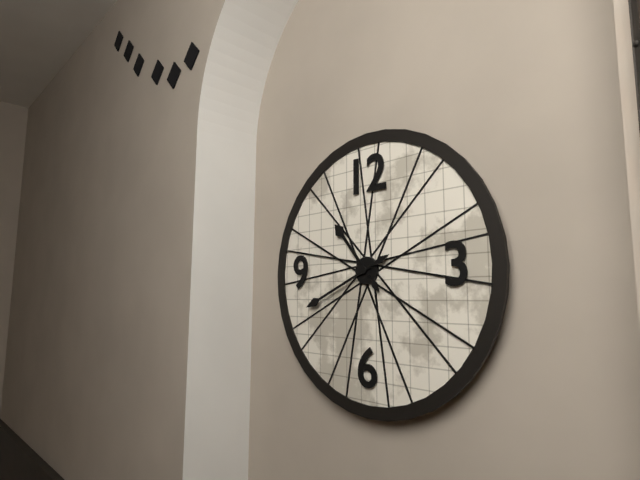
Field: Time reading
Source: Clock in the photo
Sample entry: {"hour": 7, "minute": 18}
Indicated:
{"hour": 10, "minute": 41}
